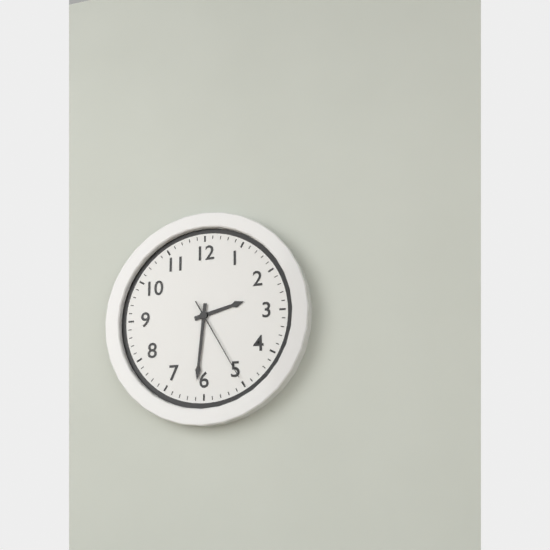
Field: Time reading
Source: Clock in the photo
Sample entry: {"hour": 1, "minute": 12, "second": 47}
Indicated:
{"hour": 2, "minute": 31, "second": 25}
